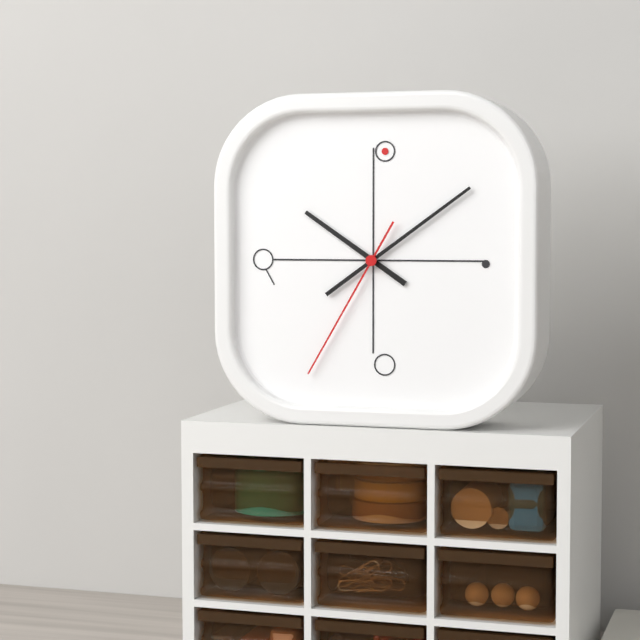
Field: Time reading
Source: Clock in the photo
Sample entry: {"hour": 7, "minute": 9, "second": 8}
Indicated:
{"hour": 10, "minute": 9, "second": 35}
